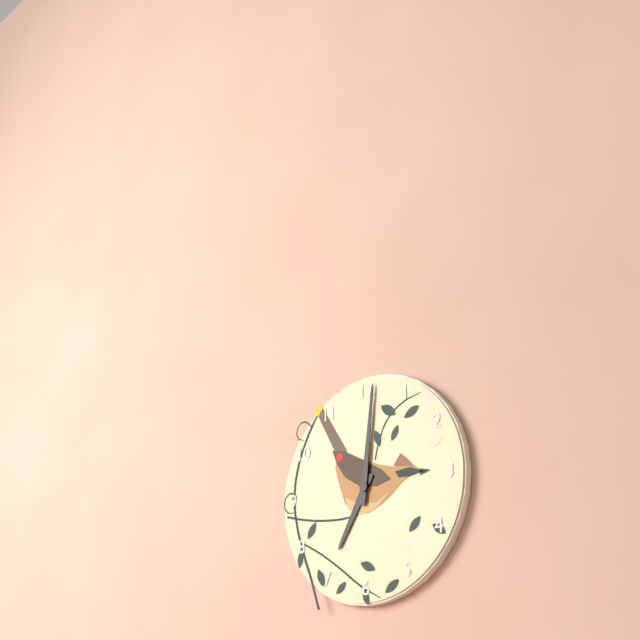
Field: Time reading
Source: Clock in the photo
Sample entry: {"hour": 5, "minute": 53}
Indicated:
{"hour": 7, "minute": 1}
